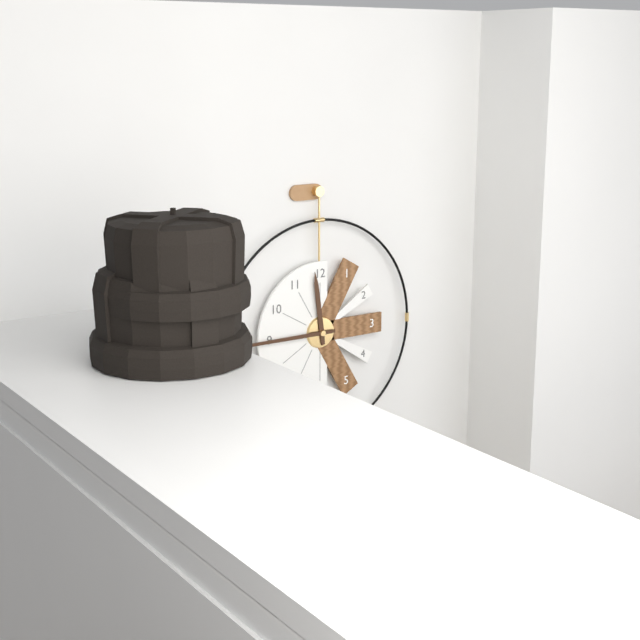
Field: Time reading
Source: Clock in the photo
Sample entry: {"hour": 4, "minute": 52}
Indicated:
{"hour": 11, "minute": 45}
